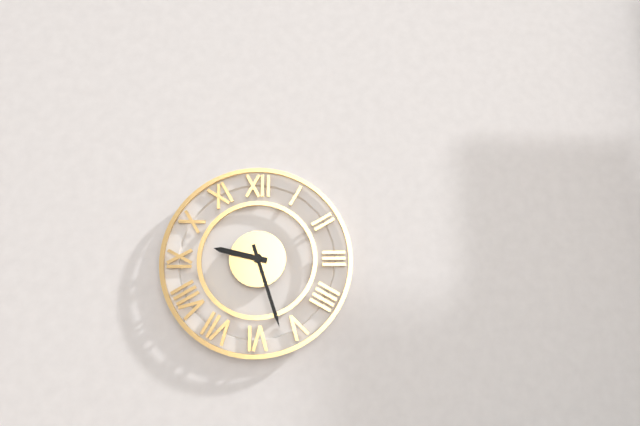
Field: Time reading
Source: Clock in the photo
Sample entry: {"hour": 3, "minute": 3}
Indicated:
{"hour": 9, "minute": 27}
